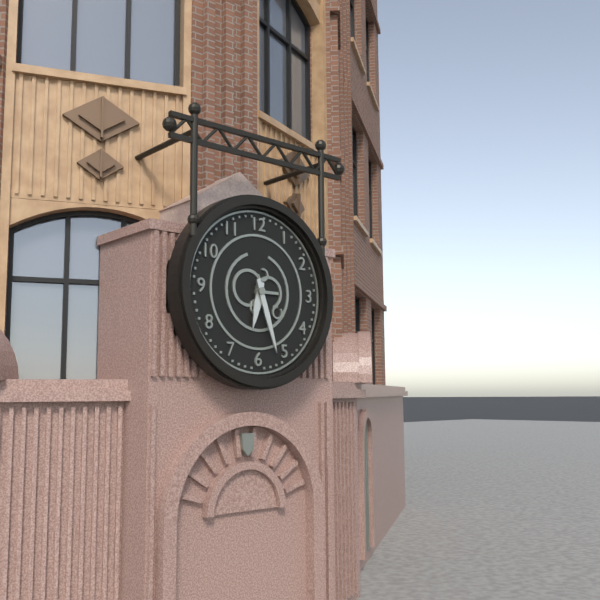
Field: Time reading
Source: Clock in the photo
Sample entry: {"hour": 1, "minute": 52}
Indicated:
{"hour": 6, "minute": 27}
